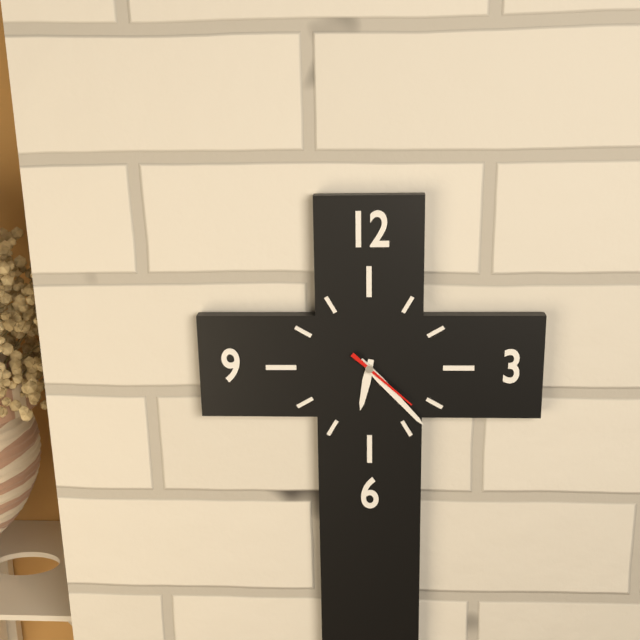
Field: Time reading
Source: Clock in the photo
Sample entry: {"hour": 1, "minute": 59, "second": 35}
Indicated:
{"hour": 6, "minute": 23, "second": 22}
